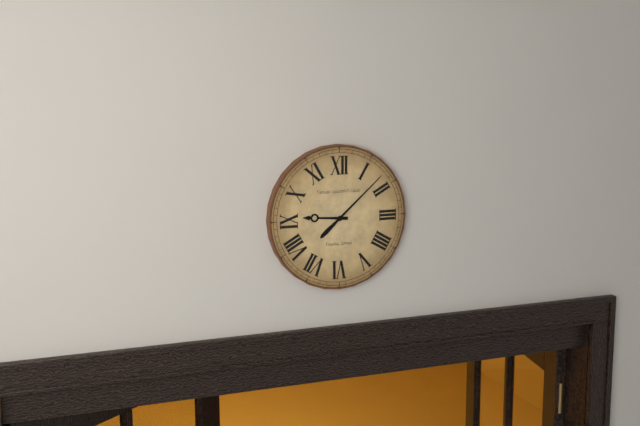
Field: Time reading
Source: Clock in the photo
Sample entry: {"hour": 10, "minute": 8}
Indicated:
{"hour": 9, "minute": 8}
